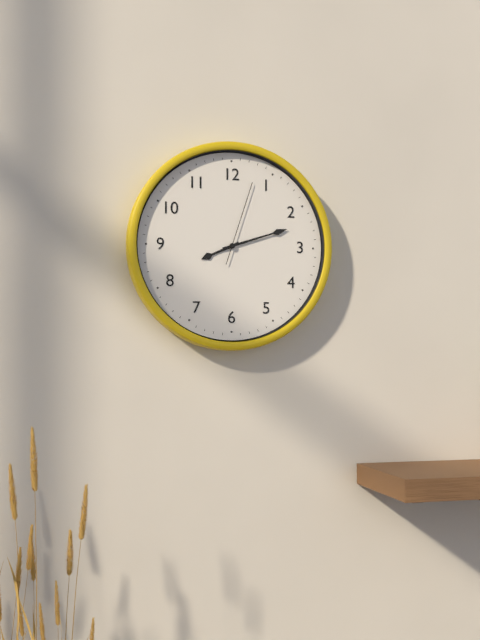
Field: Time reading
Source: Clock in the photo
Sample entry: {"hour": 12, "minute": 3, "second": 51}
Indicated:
{"hour": 8, "minute": 12, "second": 3}
